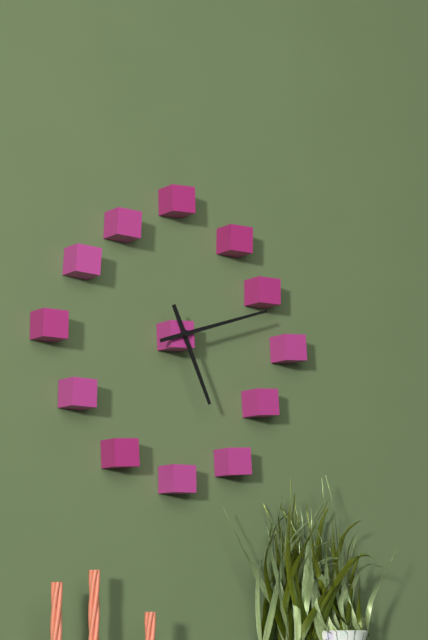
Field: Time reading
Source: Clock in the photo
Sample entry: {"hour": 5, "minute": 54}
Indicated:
{"hour": 5, "minute": 12}
